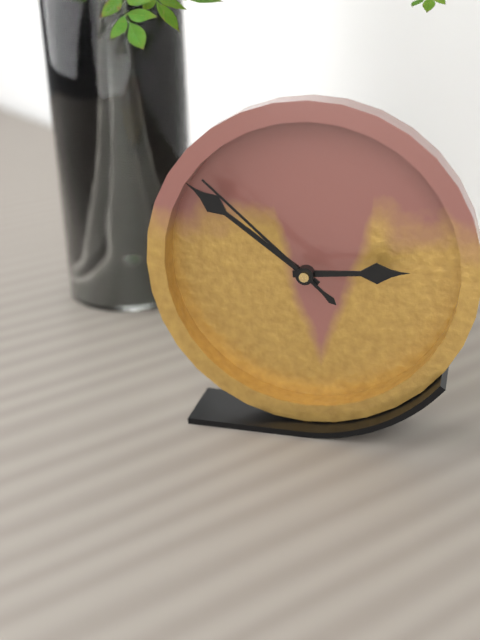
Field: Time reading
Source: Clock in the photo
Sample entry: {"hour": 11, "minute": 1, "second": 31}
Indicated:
{"hour": 2, "minute": 51, "second": 52}
